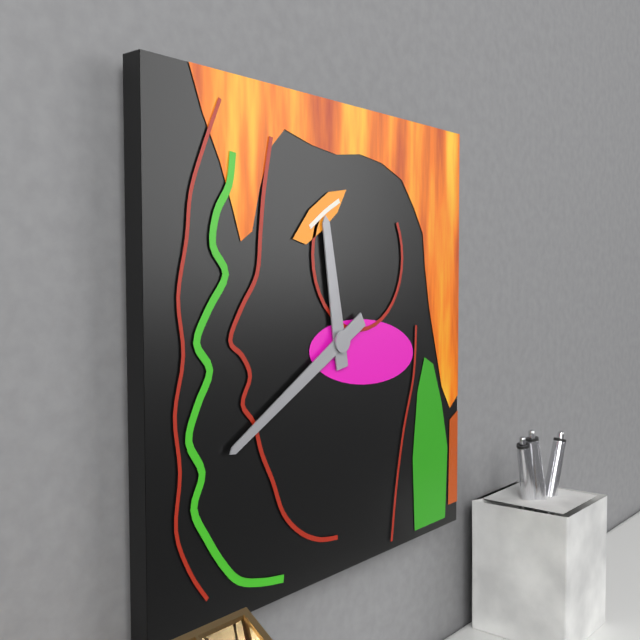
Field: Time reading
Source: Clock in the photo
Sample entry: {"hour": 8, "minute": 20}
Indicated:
{"hour": 11, "minute": 40}
